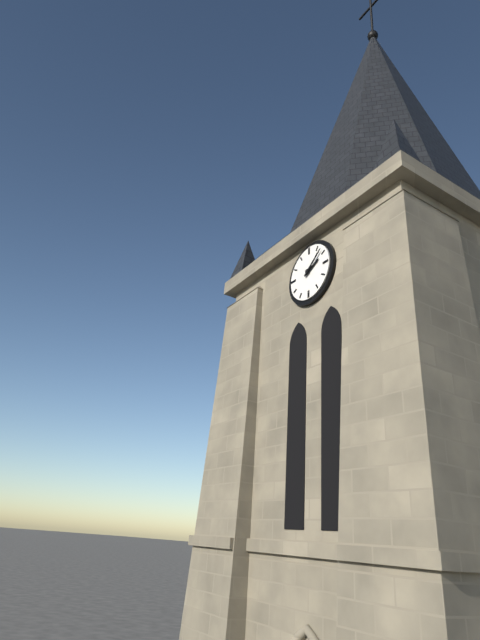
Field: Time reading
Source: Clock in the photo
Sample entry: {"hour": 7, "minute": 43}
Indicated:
{"hour": 2, "minute": 8}
